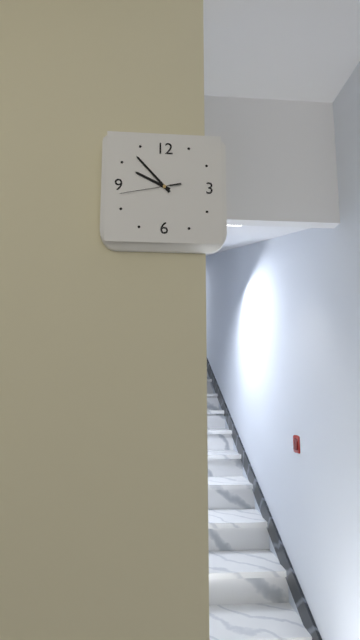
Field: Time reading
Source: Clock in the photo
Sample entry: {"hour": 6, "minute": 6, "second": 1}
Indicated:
{"hour": 9, "minute": 53, "second": 43}
